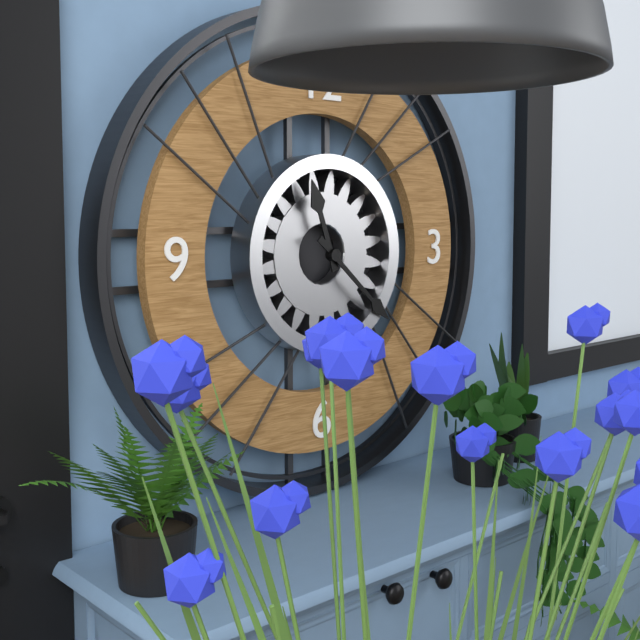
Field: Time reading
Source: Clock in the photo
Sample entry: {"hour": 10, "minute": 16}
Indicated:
{"hour": 11, "minute": 22}
